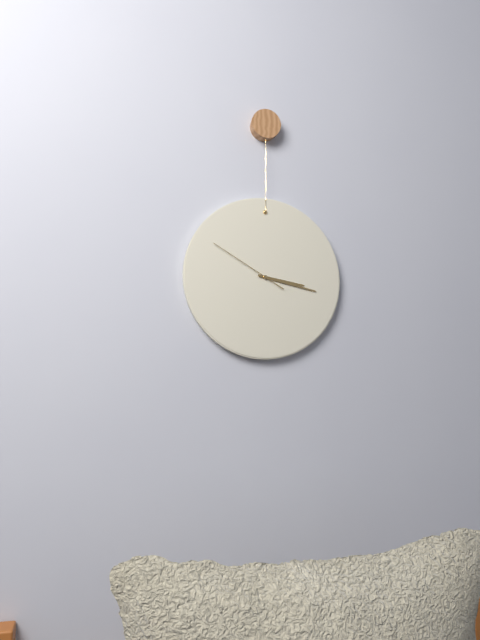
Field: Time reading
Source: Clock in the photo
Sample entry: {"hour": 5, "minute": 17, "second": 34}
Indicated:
{"hour": 3, "minute": 17, "second": 50}
